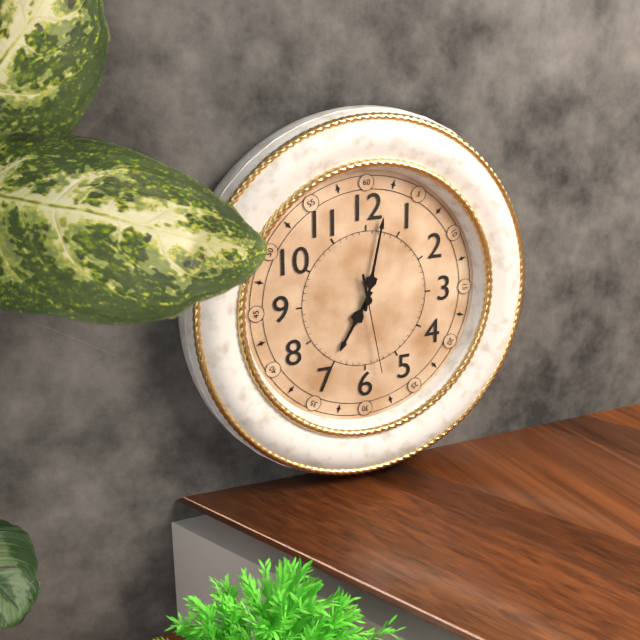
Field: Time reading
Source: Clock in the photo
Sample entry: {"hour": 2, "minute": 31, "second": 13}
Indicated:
{"hour": 7, "minute": 2, "second": 28}
